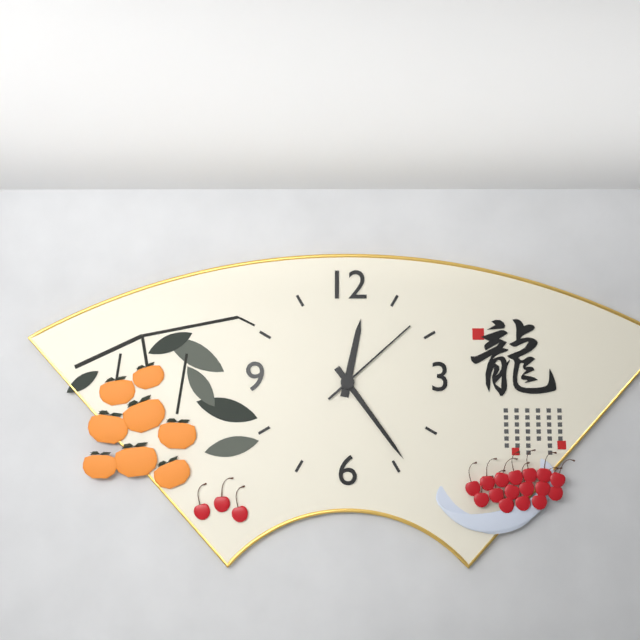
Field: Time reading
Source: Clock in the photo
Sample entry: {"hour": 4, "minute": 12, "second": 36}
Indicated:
{"hour": 12, "minute": 24, "second": 8}
